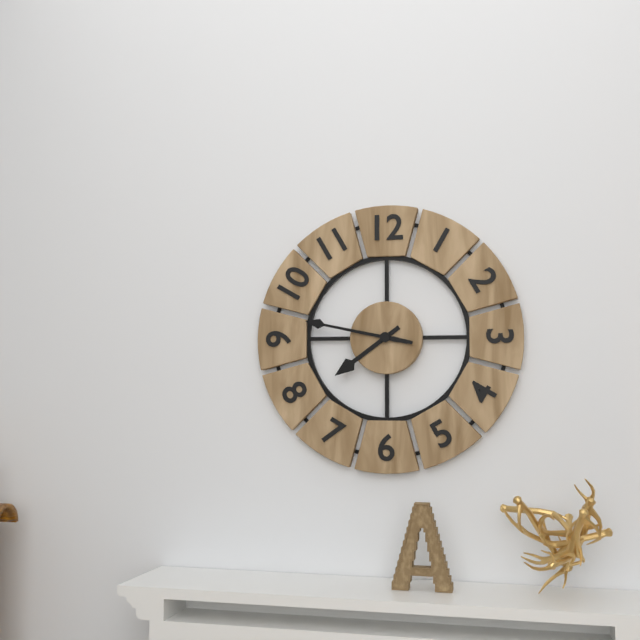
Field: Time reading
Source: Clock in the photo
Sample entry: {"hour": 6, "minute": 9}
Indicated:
{"hour": 7, "minute": 47}
